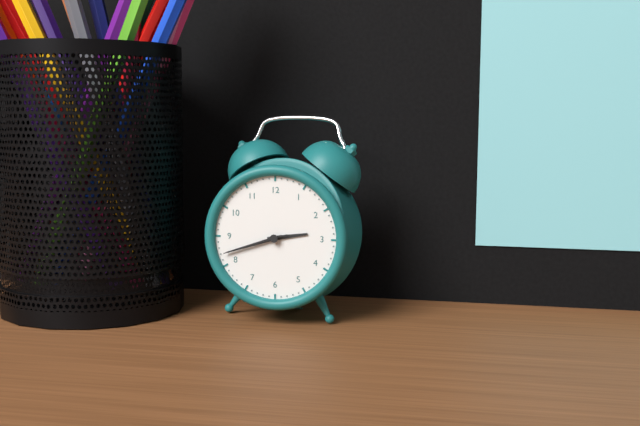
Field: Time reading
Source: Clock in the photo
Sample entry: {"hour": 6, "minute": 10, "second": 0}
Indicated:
{"hour": 2, "minute": 42, "second": 42}
